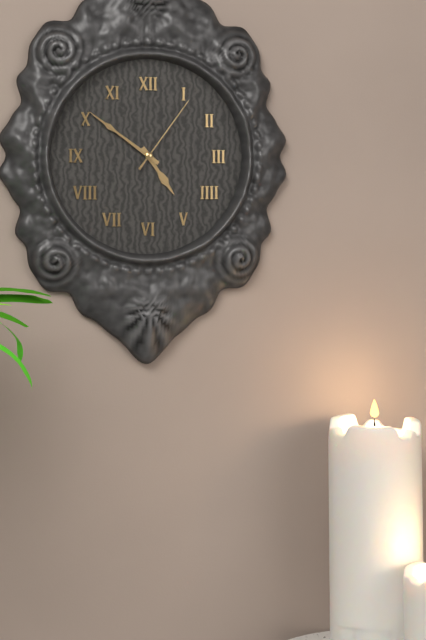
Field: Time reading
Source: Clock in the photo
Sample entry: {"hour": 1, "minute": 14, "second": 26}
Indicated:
{"hour": 4, "minute": 51, "second": 6}
